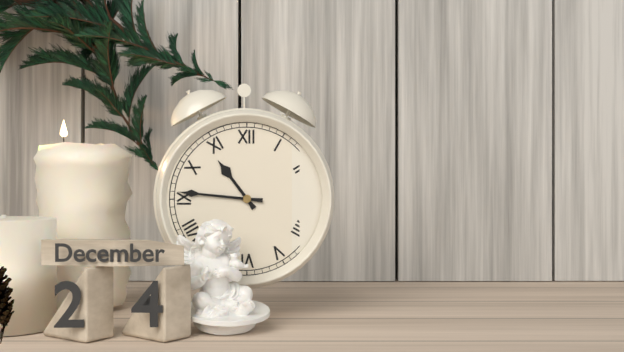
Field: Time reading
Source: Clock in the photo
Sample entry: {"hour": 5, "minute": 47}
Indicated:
{"hour": 10, "minute": 46}
